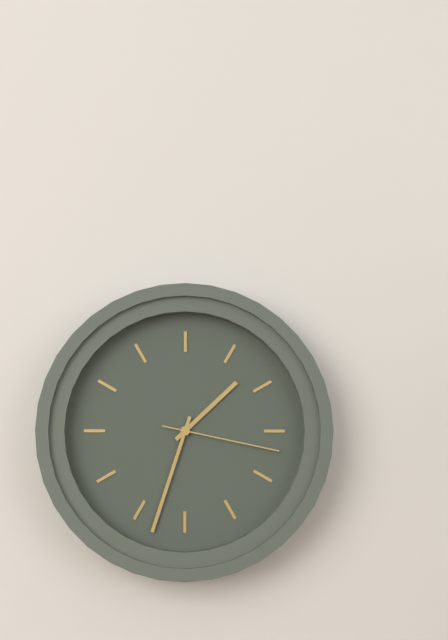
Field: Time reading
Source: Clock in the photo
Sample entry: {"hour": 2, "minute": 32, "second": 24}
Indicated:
{"hour": 1, "minute": 33, "second": 17}
